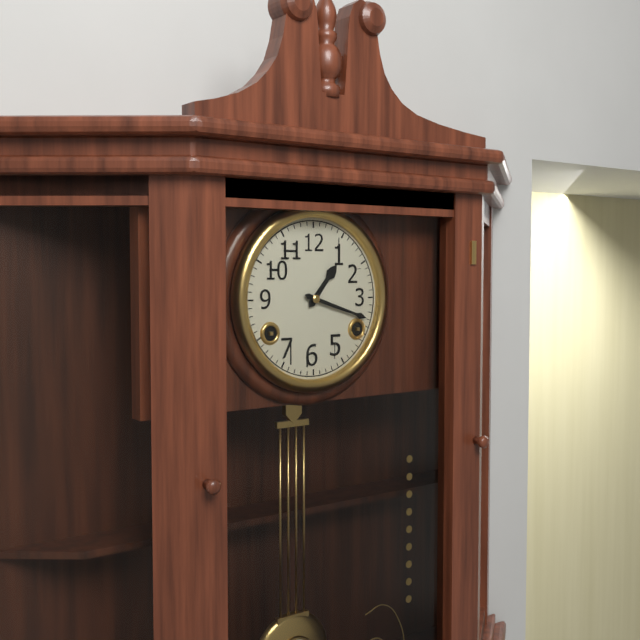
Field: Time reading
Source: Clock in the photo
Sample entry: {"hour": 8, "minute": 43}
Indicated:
{"hour": 1, "minute": 18}
